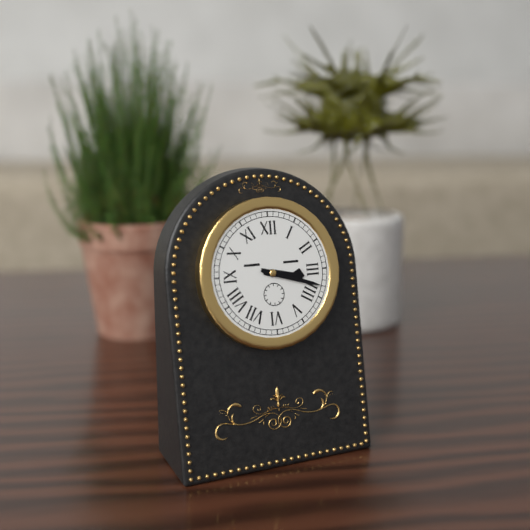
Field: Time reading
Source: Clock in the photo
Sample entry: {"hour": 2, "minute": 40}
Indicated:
{"hour": 3, "minute": 18}
